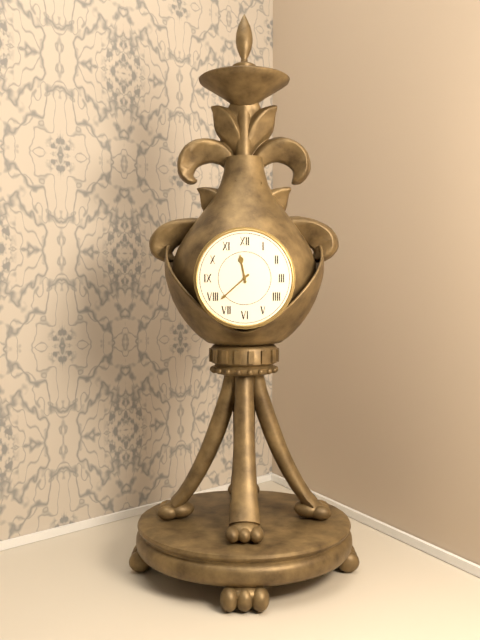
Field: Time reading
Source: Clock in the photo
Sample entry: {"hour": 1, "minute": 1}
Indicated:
{"hour": 11, "minute": 38}
